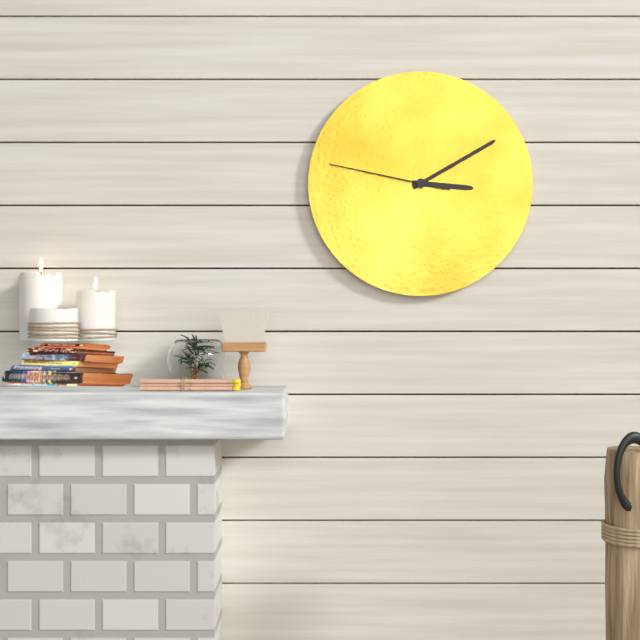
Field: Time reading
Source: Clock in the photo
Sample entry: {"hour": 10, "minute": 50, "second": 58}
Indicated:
{"hour": 3, "minute": 10, "second": 47}
